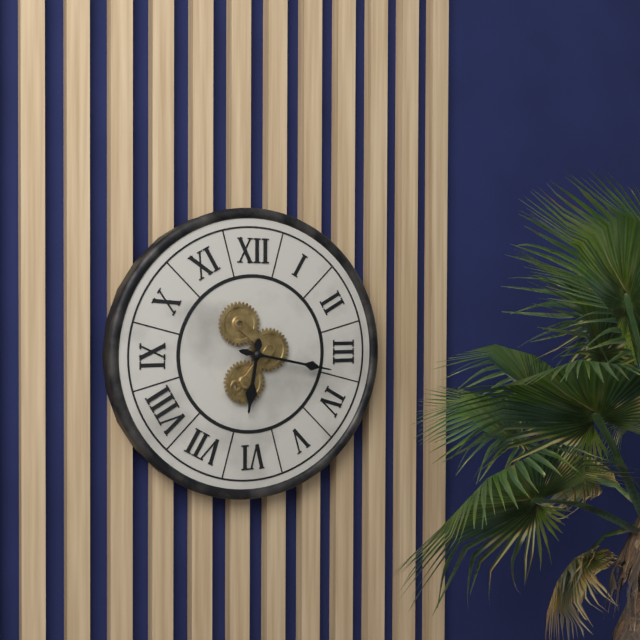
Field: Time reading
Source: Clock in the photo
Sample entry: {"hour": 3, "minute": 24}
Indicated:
{"hour": 6, "minute": 17}
